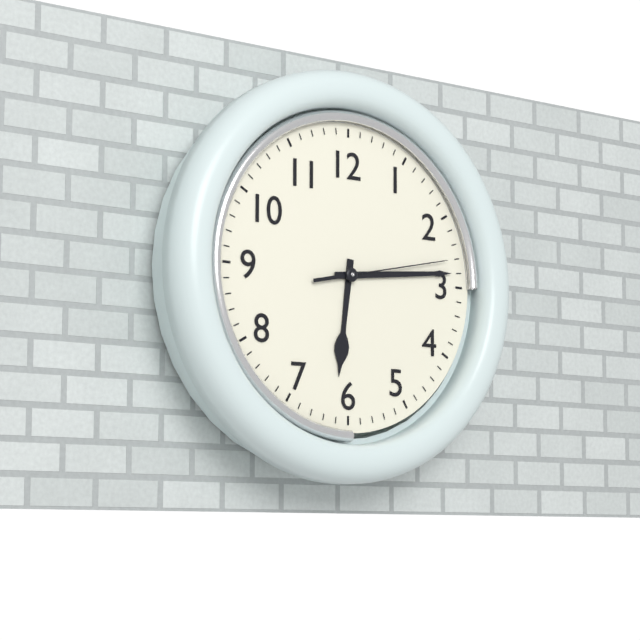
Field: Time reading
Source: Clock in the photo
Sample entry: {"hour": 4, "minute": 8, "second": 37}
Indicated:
{"hour": 6, "minute": 14, "second": 13}
